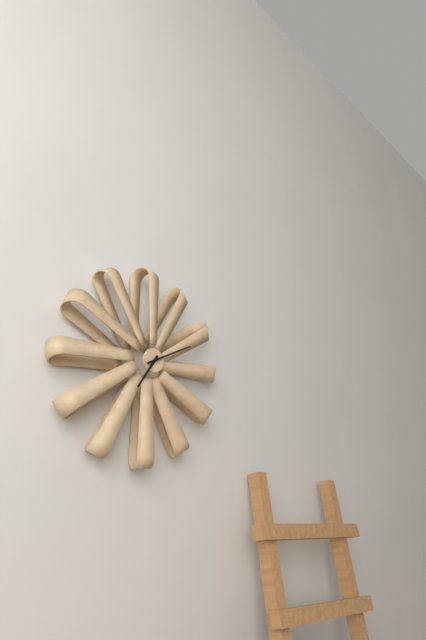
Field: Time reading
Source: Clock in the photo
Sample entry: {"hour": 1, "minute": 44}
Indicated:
{"hour": 7, "minute": 11}
